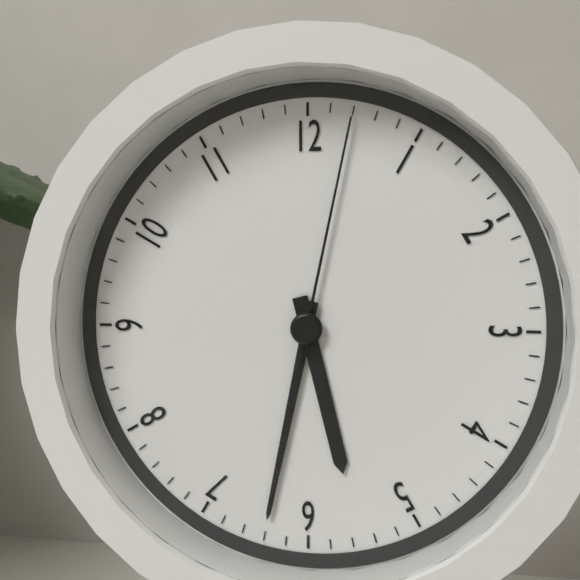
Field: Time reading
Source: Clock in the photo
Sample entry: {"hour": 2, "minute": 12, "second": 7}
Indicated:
{"hour": 5, "minute": 32, "second": 2}
